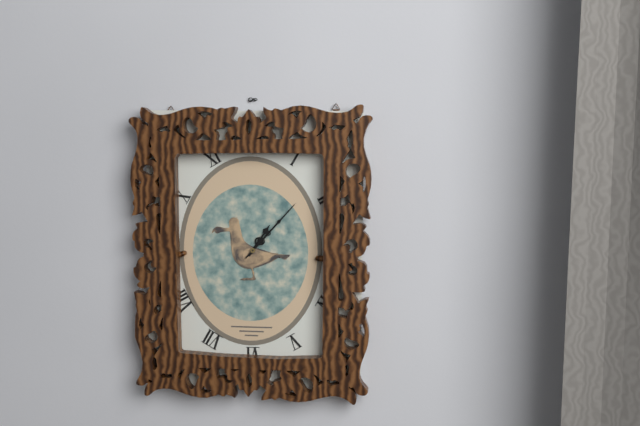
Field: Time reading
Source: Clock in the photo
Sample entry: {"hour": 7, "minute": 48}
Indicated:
{"hour": 1, "minute": 7}
